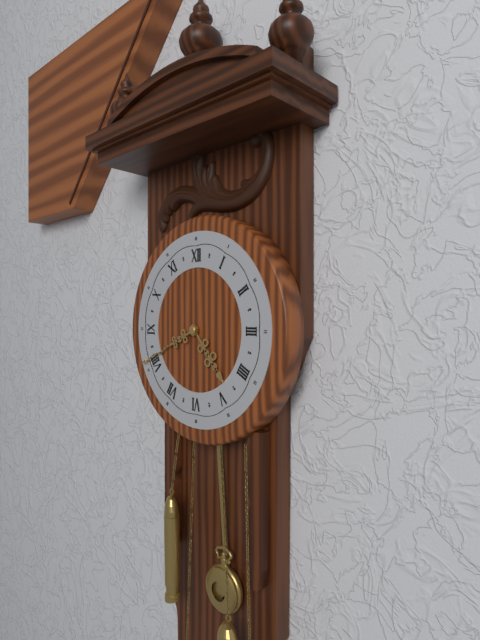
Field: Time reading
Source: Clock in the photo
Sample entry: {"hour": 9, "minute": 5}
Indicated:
{"hour": 4, "minute": 41}
